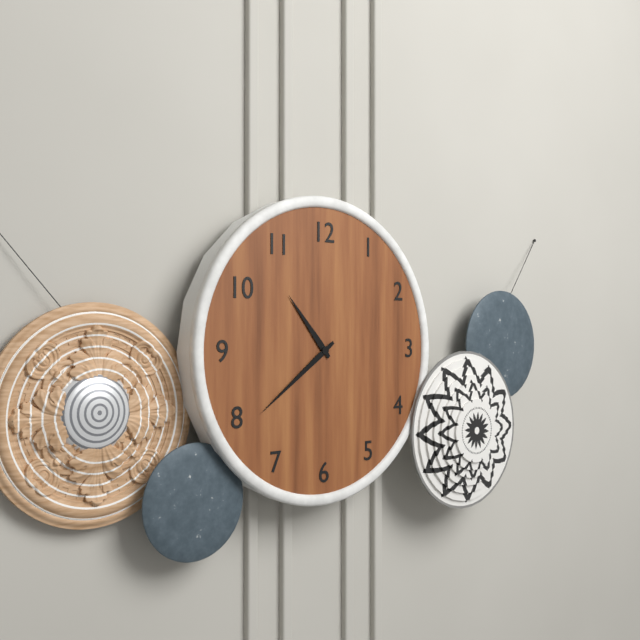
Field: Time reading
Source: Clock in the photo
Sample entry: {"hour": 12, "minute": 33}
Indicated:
{"hour": 10, "minute": 39}
